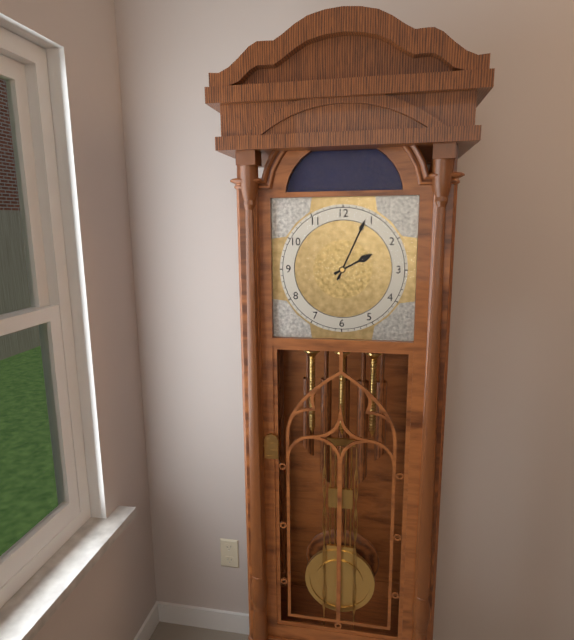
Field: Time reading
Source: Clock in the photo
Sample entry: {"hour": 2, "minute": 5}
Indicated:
{"hour": 2, "minute": 4}
